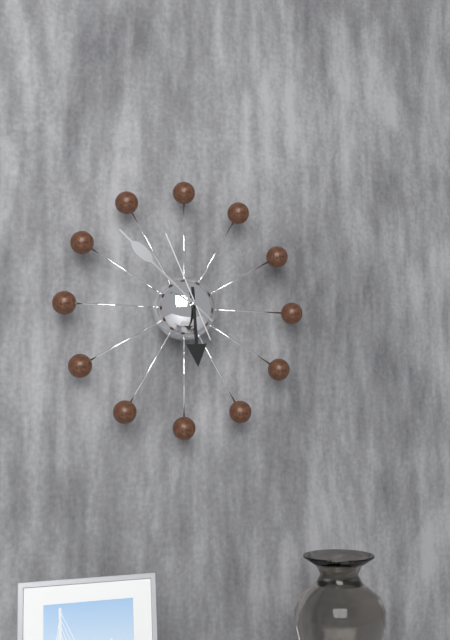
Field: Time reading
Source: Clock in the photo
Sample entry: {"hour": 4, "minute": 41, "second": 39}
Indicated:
{"hour": 5, "minute": 52, "second": 56}
